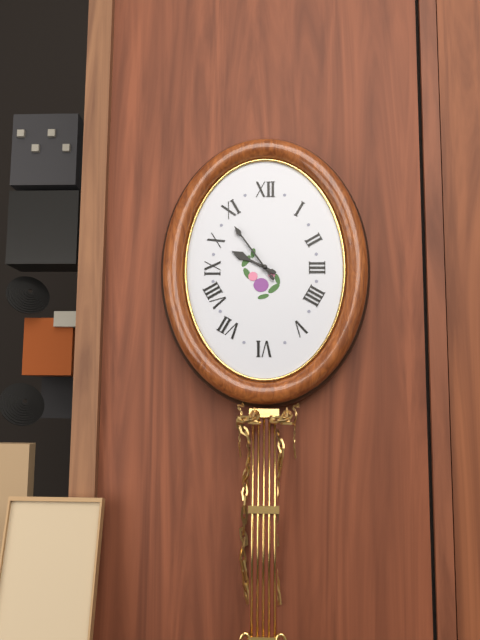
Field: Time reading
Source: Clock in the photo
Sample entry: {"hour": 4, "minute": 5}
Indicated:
{"hour": 9, "minute": 54}
